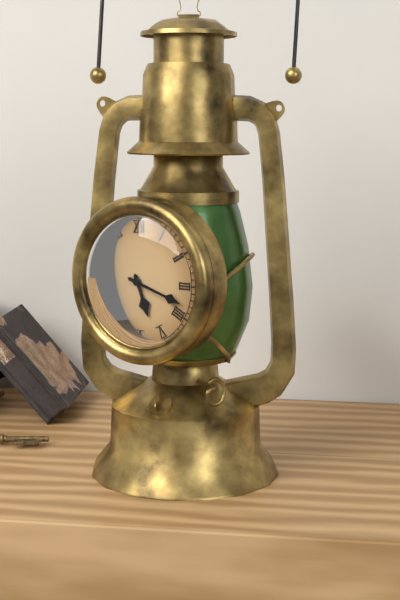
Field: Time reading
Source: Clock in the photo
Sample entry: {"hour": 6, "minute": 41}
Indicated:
{"hour": 5, "minute": 18}
